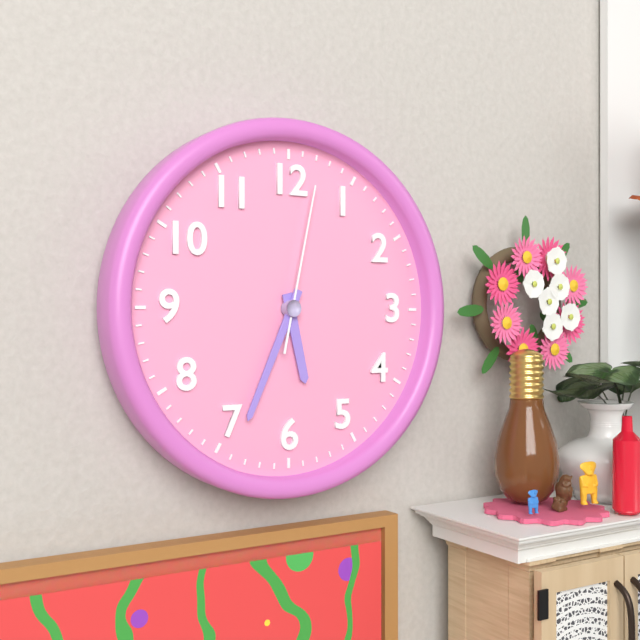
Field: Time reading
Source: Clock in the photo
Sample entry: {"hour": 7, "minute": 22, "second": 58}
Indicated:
{"hour": 5, "minute": 34, "second": 2}
